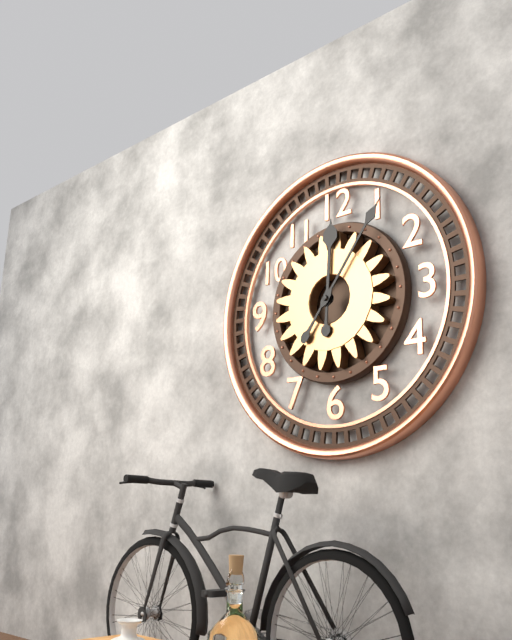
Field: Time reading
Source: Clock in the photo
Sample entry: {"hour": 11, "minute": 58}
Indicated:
{"hour": 12, "minute": 6}
